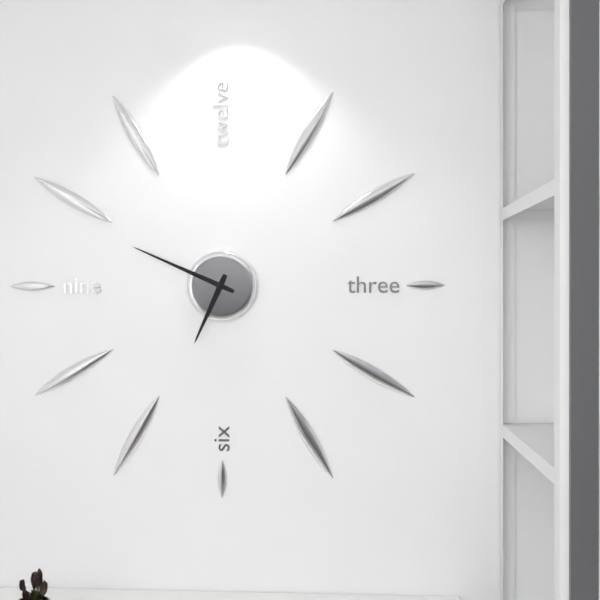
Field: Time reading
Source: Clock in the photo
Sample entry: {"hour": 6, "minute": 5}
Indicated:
{"hour": 6, "minute": 49}
